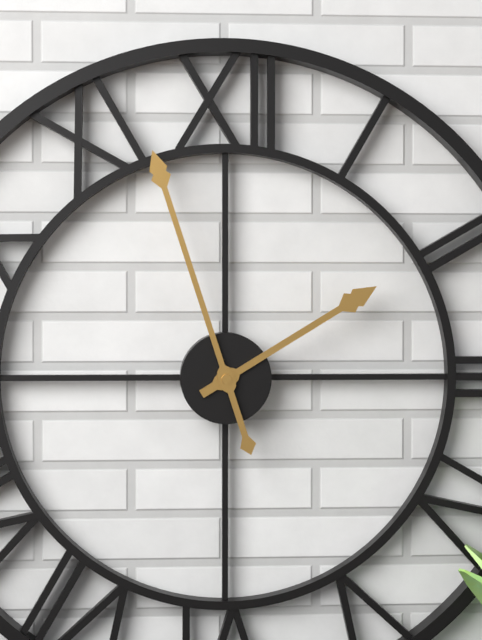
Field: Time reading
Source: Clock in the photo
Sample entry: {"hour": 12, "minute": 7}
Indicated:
{"hour": 1, "minute": 57}
